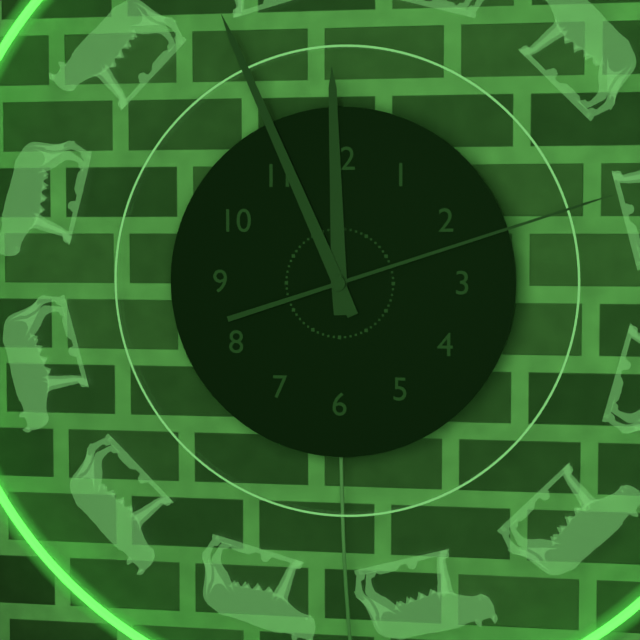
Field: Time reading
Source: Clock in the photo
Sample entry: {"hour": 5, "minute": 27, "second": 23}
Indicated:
{"hour": 11, "minute": 56, "second": 12}
